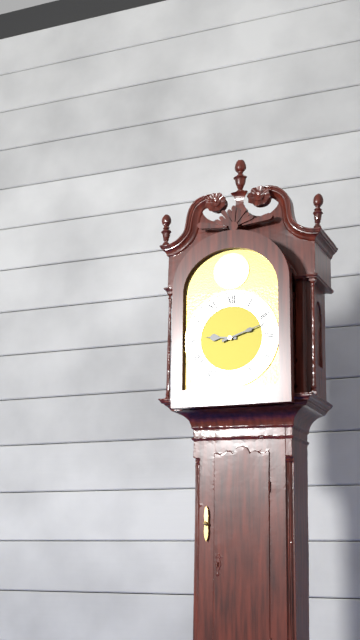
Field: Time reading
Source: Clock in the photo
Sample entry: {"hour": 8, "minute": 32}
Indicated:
{"hour": 9, "minute": 12}
